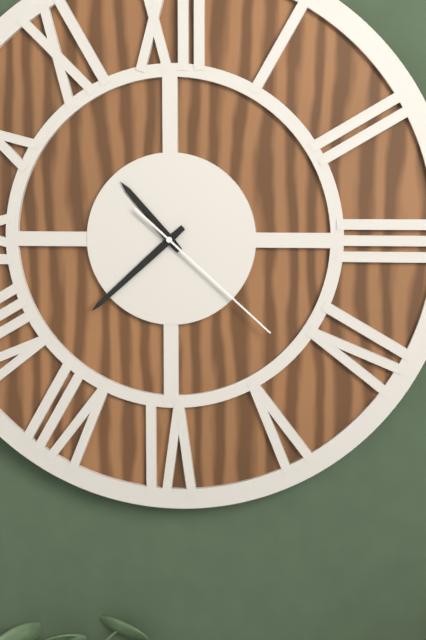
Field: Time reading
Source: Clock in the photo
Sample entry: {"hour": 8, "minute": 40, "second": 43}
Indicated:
{"hour": 10, "minute": 38, "second": 22}
